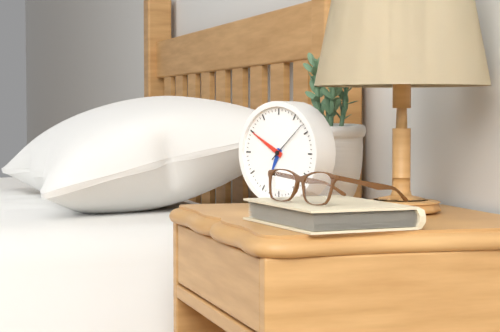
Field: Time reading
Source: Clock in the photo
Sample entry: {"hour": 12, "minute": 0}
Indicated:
{"hour": 6, "minute": 50}
